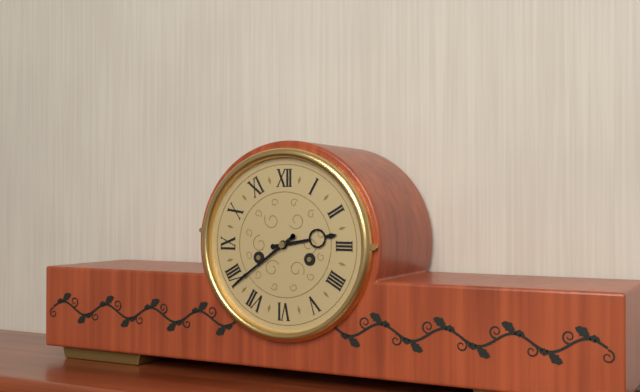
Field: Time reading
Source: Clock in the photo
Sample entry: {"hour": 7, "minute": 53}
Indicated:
{"hour": 2, "minute": 39}
